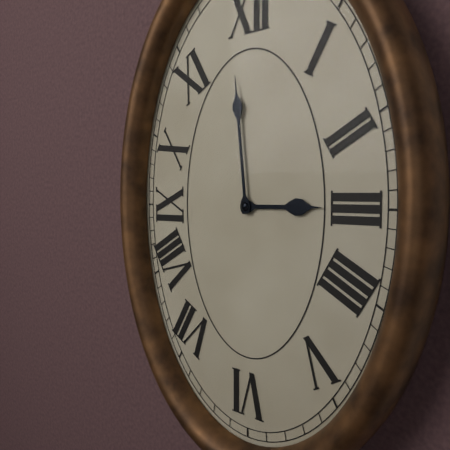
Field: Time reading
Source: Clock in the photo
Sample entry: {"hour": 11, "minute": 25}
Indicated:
{"hour": 2, "minute": 59}
